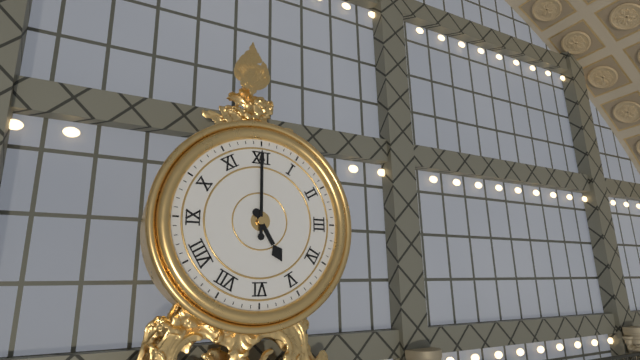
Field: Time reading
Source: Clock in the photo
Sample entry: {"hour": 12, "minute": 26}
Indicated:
{"hour": 5, "minute": 0}
